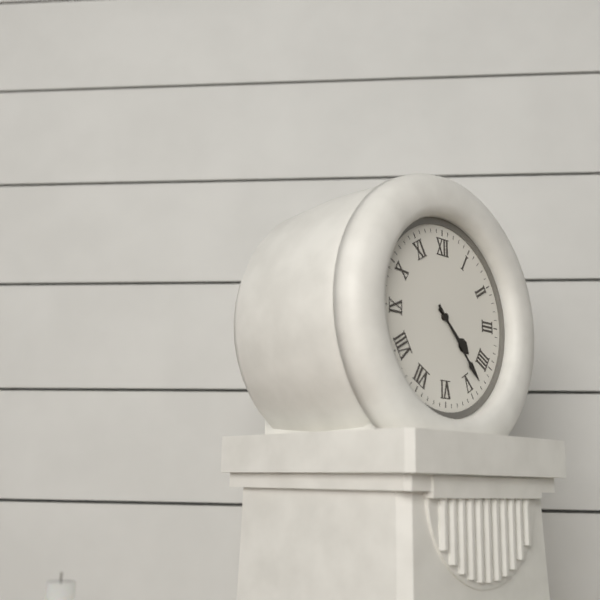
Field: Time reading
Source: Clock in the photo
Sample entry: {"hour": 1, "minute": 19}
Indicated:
{"hour": 4, "minute": 23}
